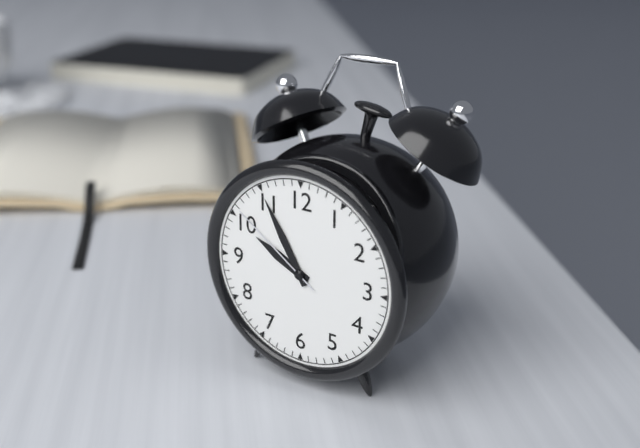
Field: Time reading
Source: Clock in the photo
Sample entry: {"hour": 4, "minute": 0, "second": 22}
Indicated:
{"hour": 9, "minute": 55, "second": 51}
